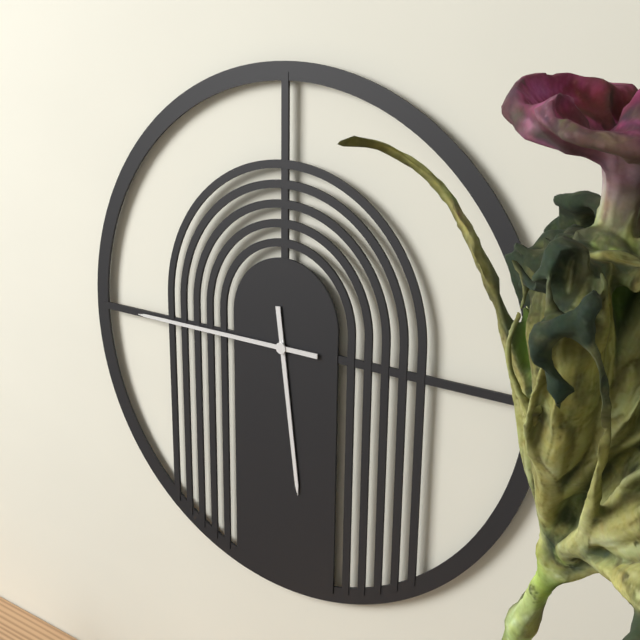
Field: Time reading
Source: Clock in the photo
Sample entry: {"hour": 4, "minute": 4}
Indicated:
{"hour": 5, "minute": 45}
